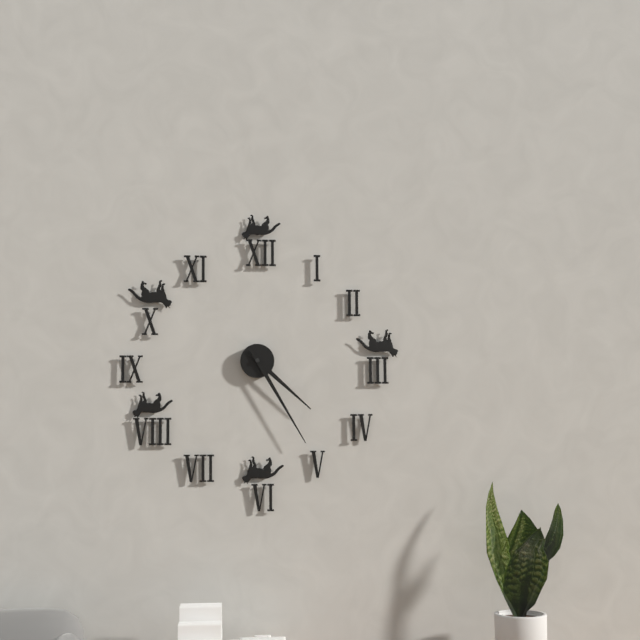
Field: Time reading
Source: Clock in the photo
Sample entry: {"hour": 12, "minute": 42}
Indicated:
{"hour": 4, "minute": 25}
